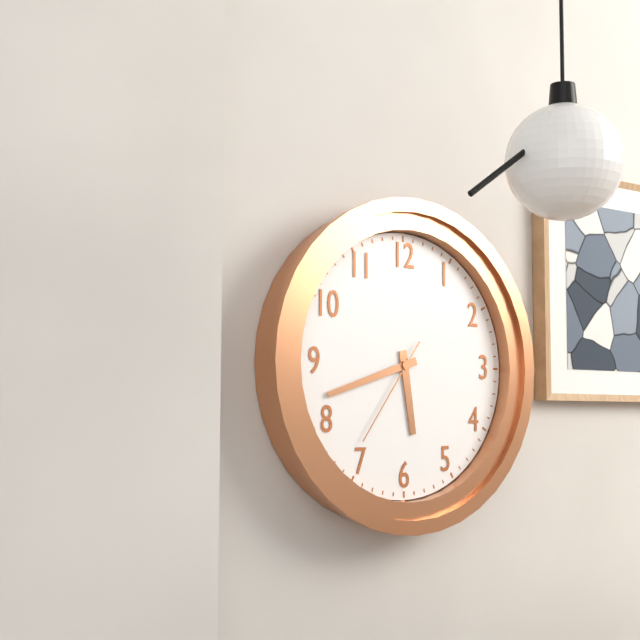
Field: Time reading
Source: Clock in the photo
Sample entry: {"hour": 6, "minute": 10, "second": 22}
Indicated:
{"hour": 5, "minute": 42, "second": 36}
